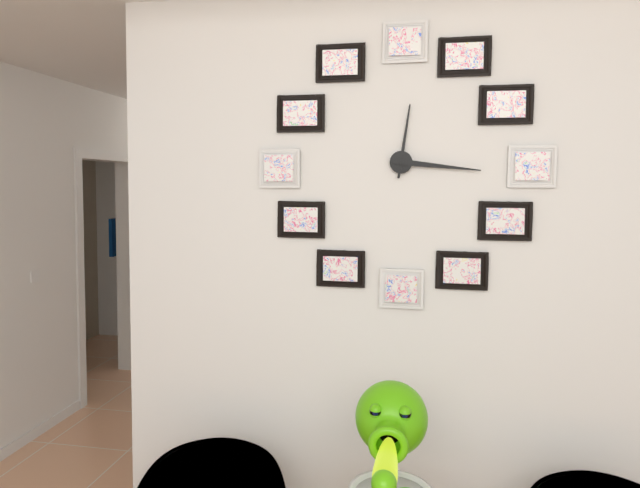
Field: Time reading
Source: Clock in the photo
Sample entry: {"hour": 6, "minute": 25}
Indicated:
{"hour": 12, "minute": 16}
